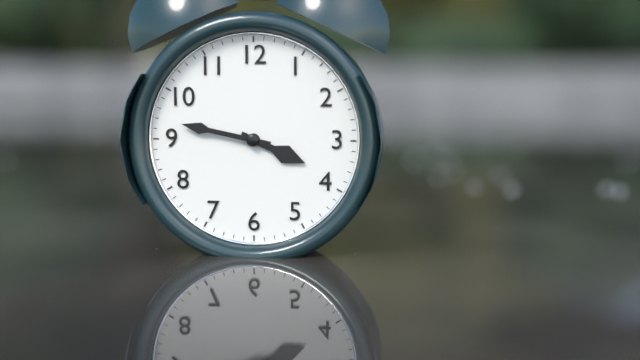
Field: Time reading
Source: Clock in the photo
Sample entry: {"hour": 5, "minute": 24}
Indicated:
{"hour": 3, "minute": 47}
